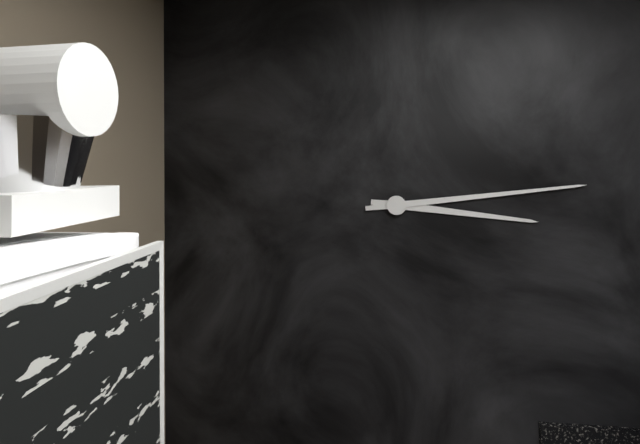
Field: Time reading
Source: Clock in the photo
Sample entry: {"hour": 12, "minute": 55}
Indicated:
{"hour": 3, "minute": 14}
